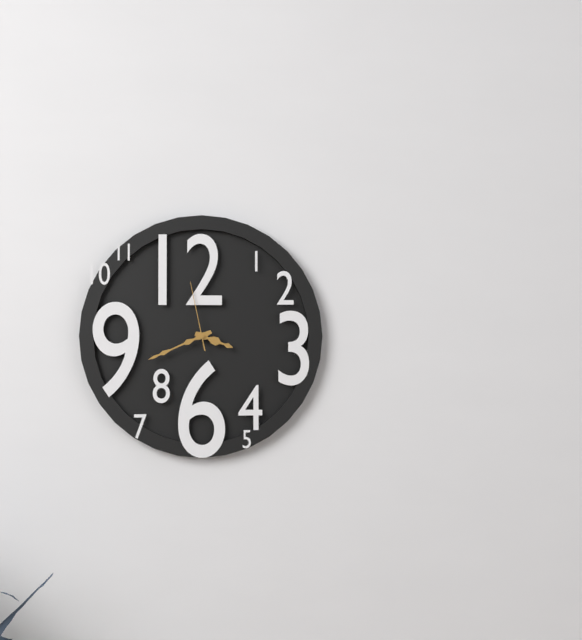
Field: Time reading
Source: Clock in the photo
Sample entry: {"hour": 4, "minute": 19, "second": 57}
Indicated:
{"hour": 3, "minute": 41, "second": 58}
